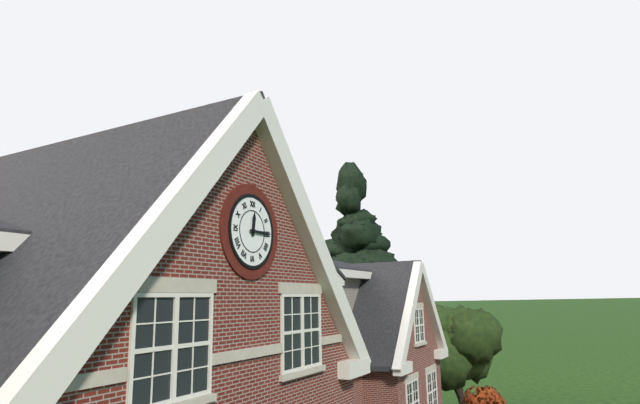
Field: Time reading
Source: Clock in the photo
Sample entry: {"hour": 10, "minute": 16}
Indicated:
{"hour": 12, "minute": 15}
